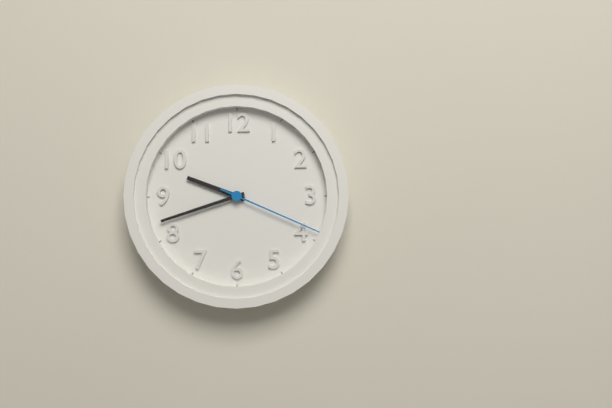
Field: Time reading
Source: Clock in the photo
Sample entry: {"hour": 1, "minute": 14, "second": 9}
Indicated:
{"hour": 9, "minute": 42, "second": 19}
